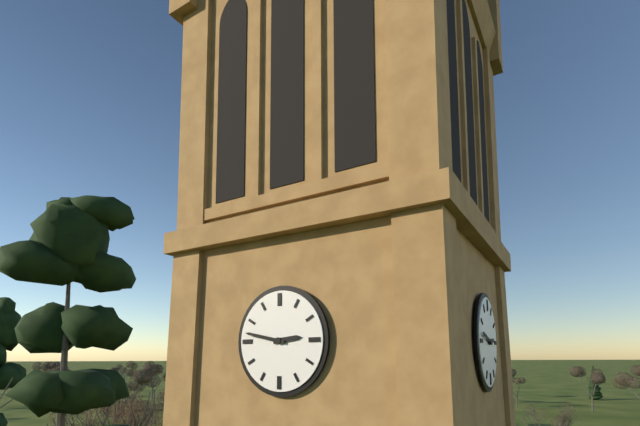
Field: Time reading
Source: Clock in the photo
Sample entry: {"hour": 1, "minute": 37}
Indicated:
{"hour": 2, "minute": 47}
